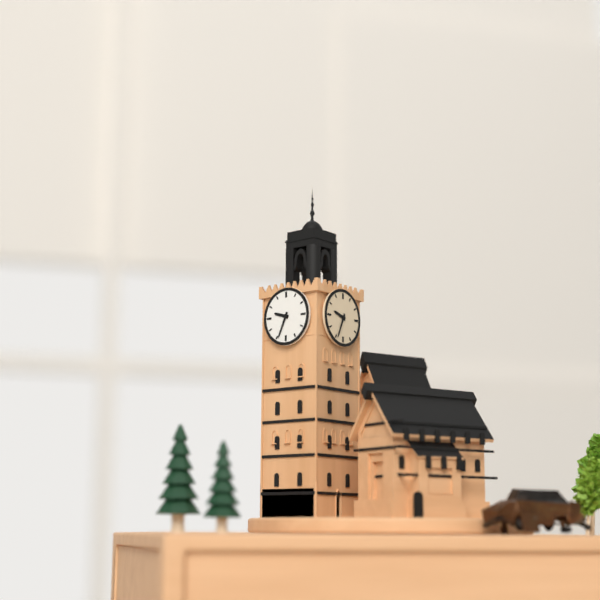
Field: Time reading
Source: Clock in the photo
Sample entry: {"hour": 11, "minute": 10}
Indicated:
{"hour": 9, "minute": 34}
